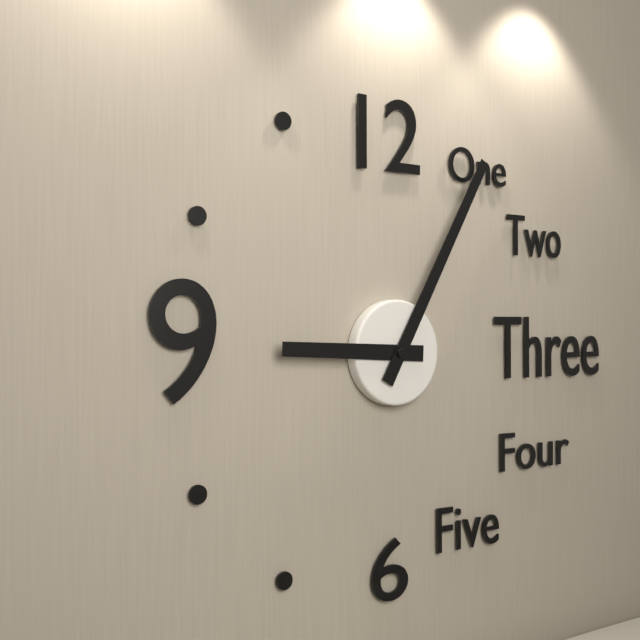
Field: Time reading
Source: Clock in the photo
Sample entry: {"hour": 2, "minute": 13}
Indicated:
{"hour": 9, "minute": 5}
